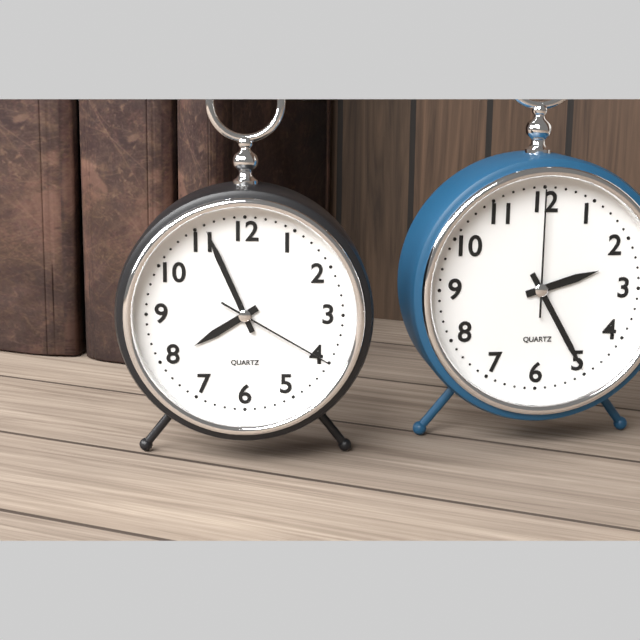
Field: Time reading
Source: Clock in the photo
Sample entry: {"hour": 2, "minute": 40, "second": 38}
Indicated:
{"hour": 7, "minute": 56, "second": 20}
